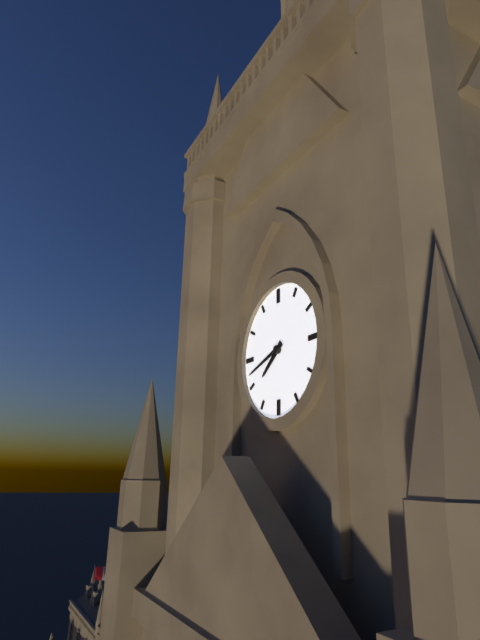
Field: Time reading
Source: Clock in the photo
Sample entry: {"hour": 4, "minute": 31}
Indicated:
{"hour": 7, "minute": 42}
